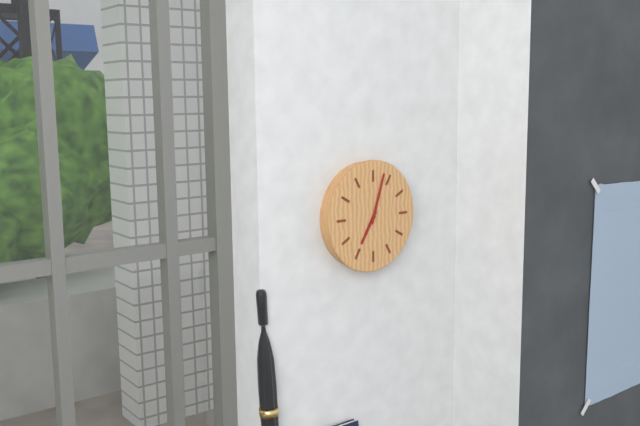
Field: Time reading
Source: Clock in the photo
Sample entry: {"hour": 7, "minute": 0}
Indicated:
{"hour": 7, "minute": 3}
